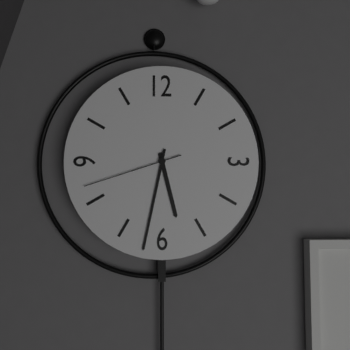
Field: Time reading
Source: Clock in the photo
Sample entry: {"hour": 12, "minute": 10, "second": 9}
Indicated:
{"hour": 5, "minute": 32, "second": 42}
